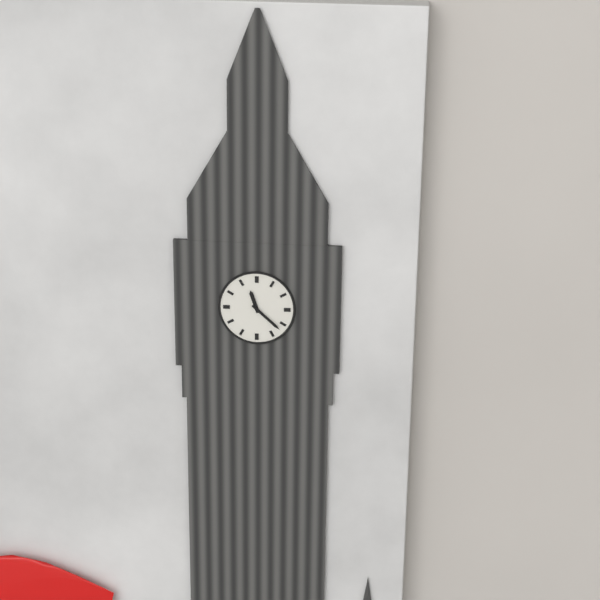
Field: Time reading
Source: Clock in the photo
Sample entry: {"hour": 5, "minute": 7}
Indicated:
{"hour": 11, "minute": 22}
